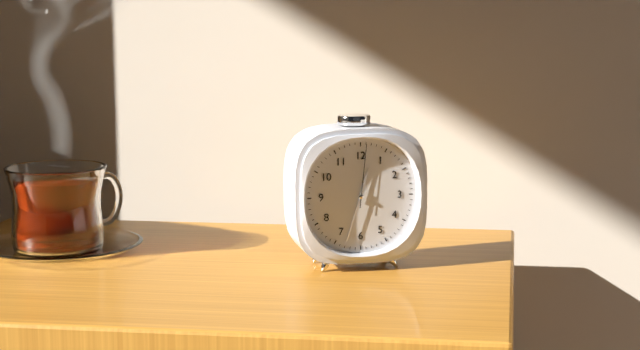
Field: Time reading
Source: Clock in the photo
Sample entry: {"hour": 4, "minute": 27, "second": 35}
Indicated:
{"hour": 12, "minute": 33, "second": 1}
